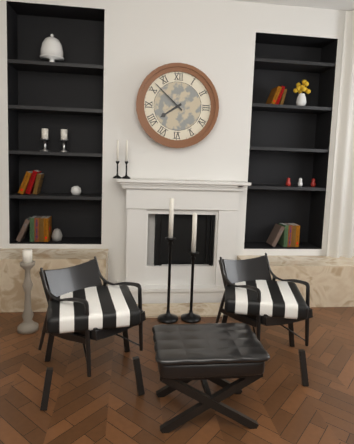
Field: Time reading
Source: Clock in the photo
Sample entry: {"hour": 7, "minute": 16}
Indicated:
{"hour": 7, "minute": 52}
